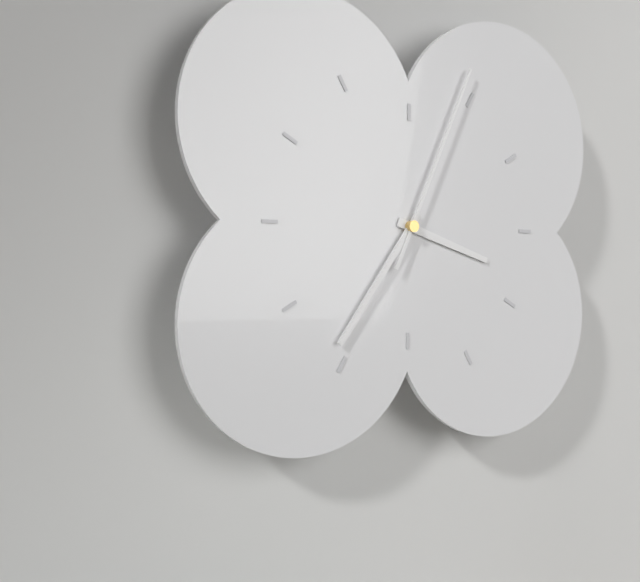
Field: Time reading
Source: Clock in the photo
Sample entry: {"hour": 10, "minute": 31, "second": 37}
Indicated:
{"hour": 3, "minute": 36, "second": 4}
